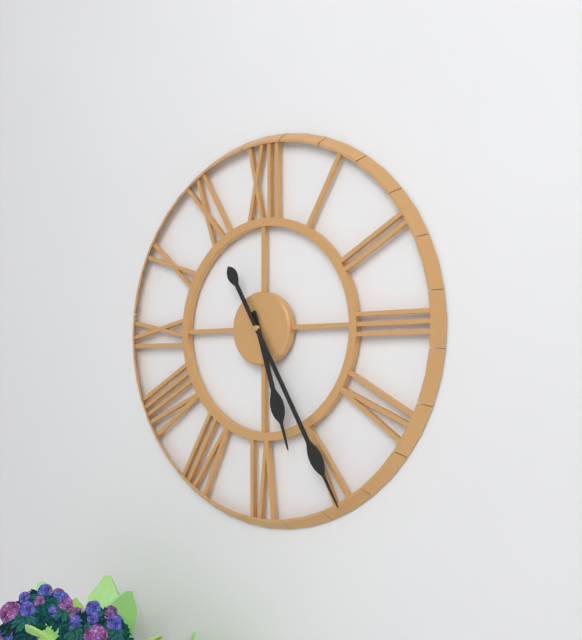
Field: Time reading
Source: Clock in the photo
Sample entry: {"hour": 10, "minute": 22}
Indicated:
{"hour": 5, "minute": 25}
